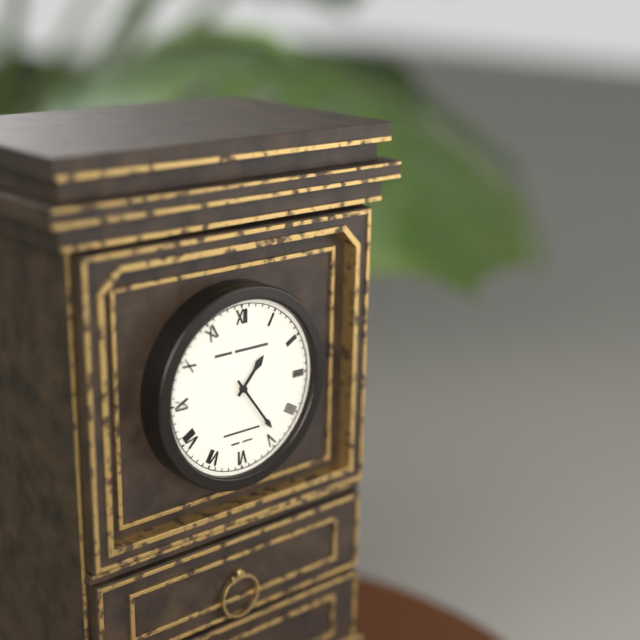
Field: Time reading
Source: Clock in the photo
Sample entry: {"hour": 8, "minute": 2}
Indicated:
{"hour": 1, "minute": 24}
